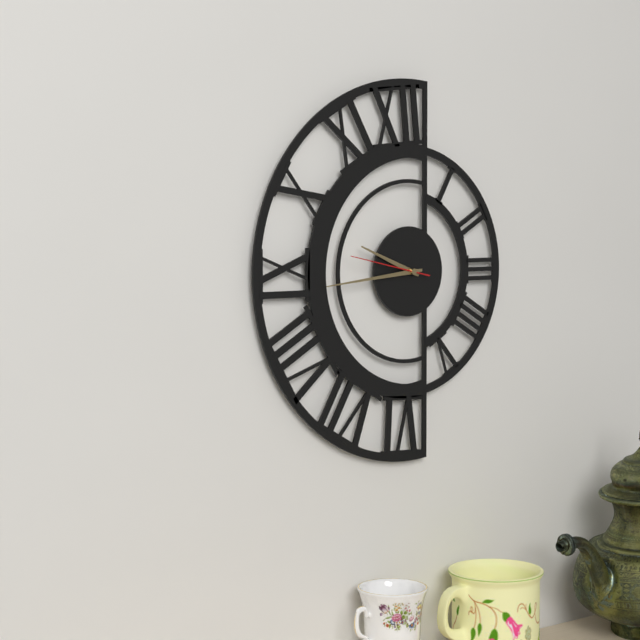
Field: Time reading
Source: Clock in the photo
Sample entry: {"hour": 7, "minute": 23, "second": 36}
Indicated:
{"hour": 9, "minute": 44, "second": 47}
